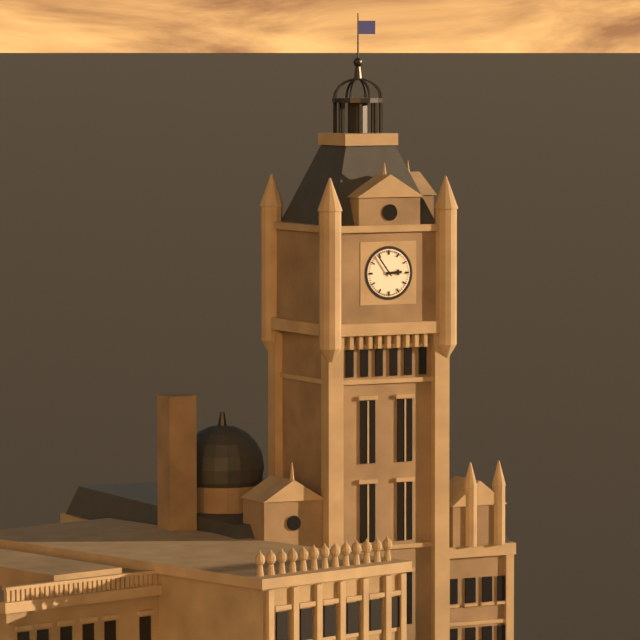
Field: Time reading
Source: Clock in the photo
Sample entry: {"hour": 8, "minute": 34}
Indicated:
{"hour": 2, "minute": 54}
